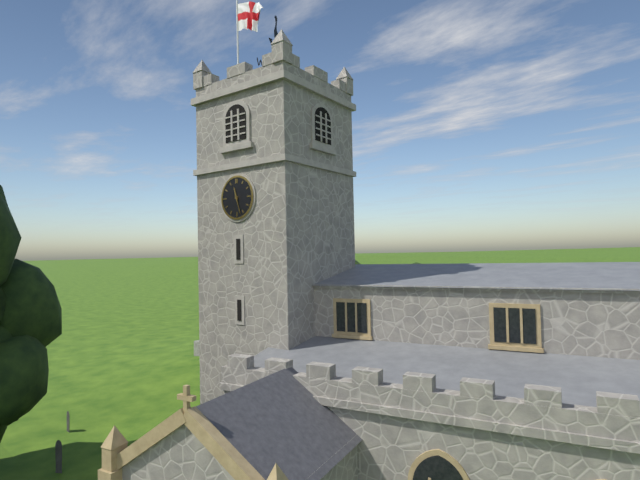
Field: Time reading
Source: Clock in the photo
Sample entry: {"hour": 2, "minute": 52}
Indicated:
{"hour": 11, "minute": 27}
